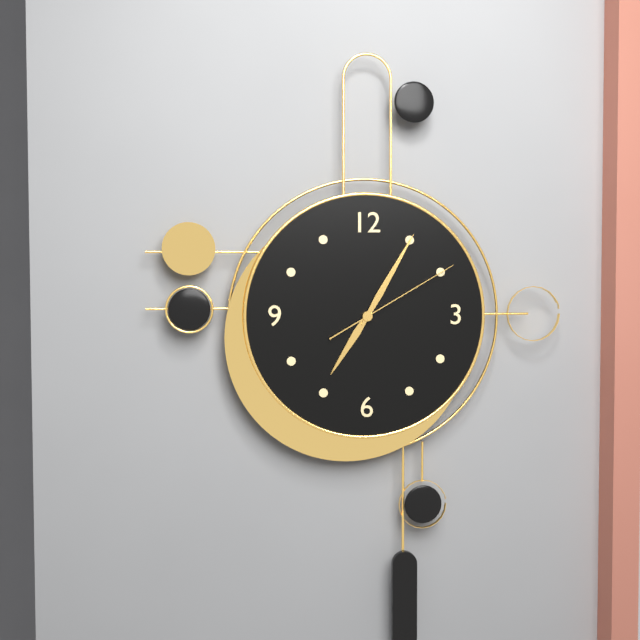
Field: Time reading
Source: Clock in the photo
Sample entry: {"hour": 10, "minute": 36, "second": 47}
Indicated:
{"hour": 7, "minute": 5, "second": 10}
